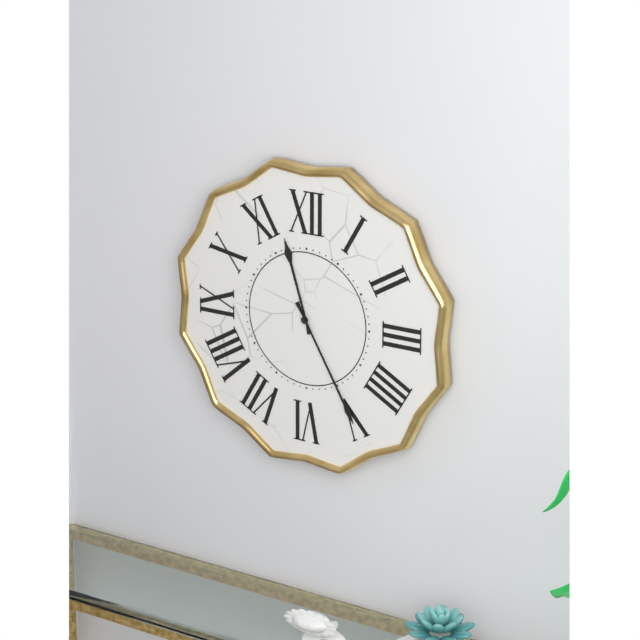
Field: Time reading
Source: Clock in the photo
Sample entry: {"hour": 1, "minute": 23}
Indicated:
{"hour": 11, "minute": 25}
